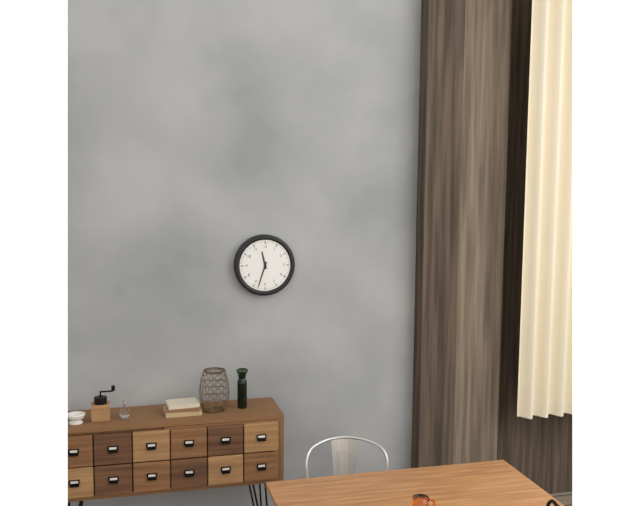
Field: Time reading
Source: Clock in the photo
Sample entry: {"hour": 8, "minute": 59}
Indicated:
{"hour": 11, "minute": 33}
